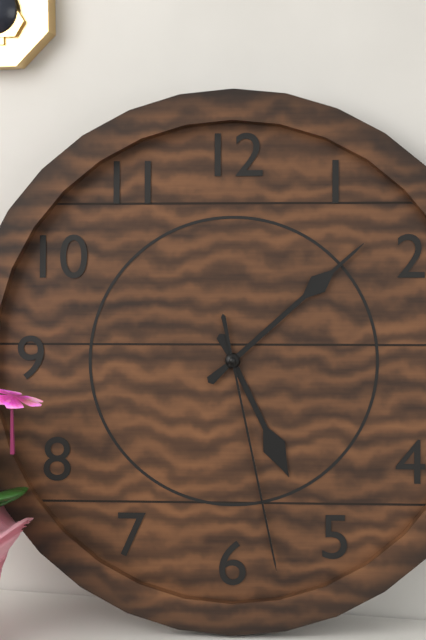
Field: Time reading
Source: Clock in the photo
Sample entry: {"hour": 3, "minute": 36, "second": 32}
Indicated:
{"hour": 5, "minute": 8, "second": 28}
